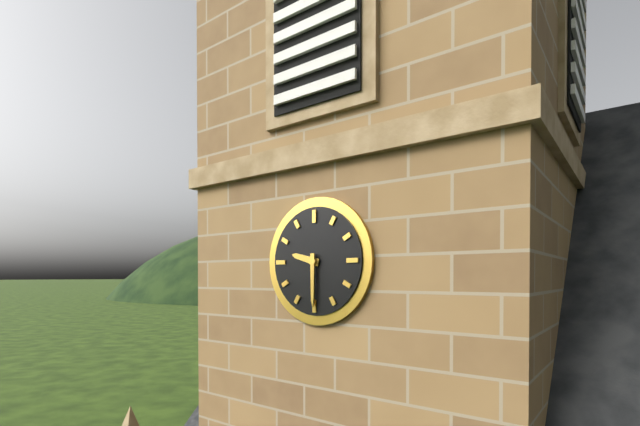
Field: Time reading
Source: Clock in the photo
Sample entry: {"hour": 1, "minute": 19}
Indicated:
{"hour": 9, "minute": 30}
